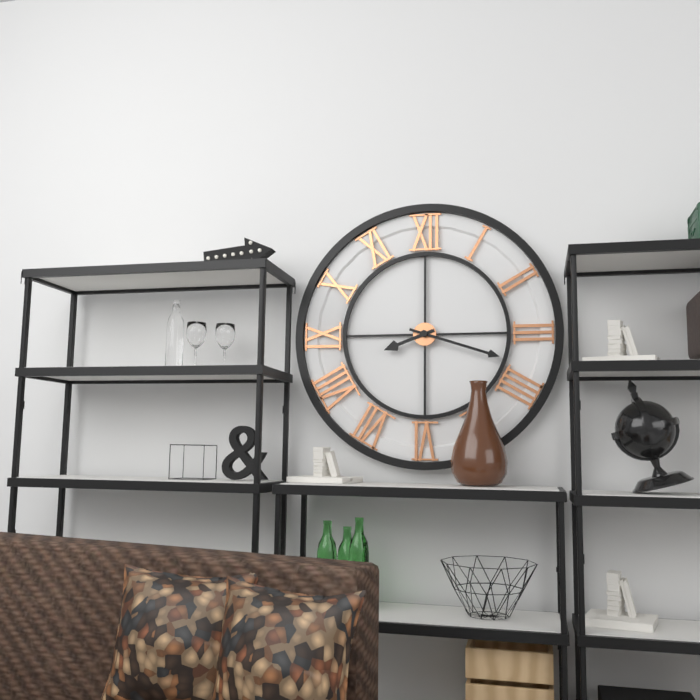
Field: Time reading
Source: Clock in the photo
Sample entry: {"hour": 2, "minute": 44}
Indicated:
{"hour": 8, "minute": 18}
